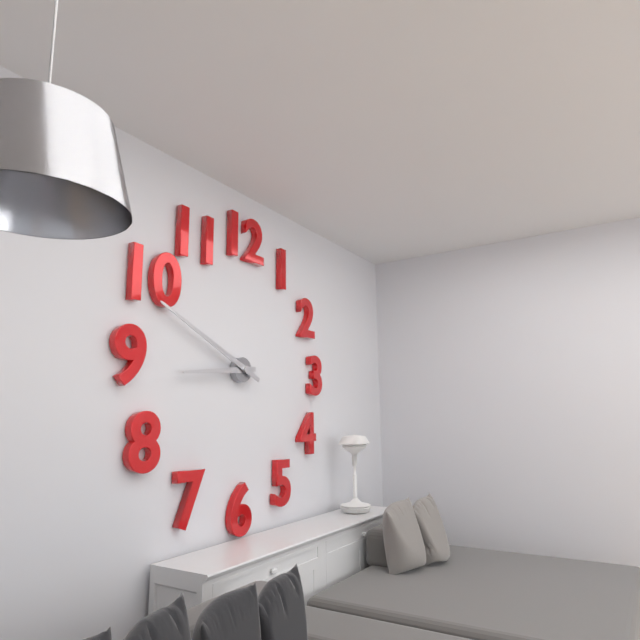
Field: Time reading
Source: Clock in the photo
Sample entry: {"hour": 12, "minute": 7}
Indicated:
{"hour": 8, "minute": 49}
